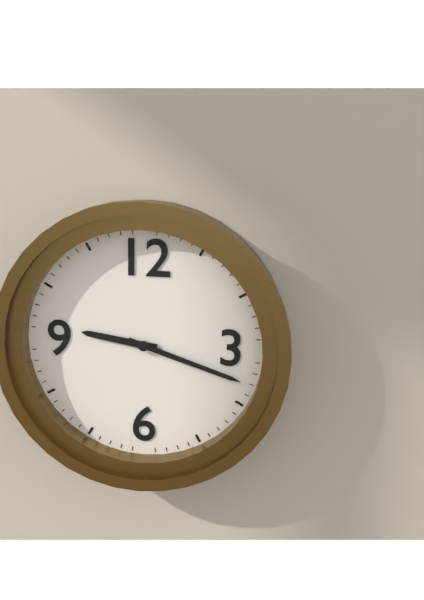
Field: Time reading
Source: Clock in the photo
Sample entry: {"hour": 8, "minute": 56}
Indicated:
{"hour": 9, "minute": 18}
